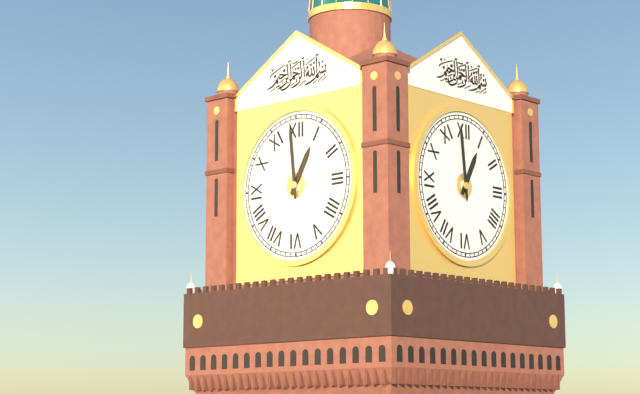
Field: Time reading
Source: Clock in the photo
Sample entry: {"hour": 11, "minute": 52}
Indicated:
{"hour": 12, "minute": 59}
